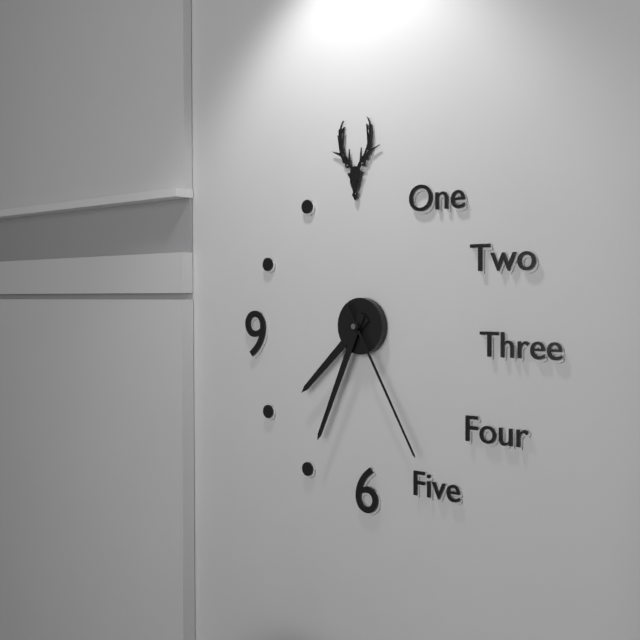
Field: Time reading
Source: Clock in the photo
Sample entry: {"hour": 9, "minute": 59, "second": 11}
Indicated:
{"hour": 7, "minute": 34, "second": 25}
